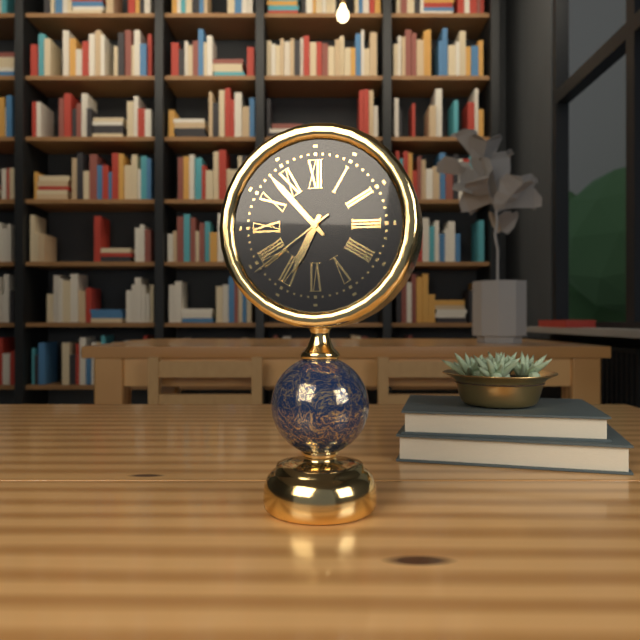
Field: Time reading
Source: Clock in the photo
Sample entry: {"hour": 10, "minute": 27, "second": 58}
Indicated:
{"hour": 6, "minute": 53, "second": 39}
